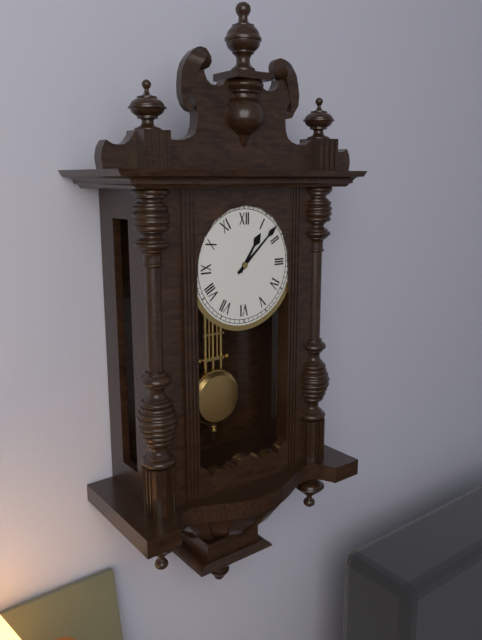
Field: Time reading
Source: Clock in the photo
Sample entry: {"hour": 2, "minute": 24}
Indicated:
{"hour": 1, "minute": 8}
